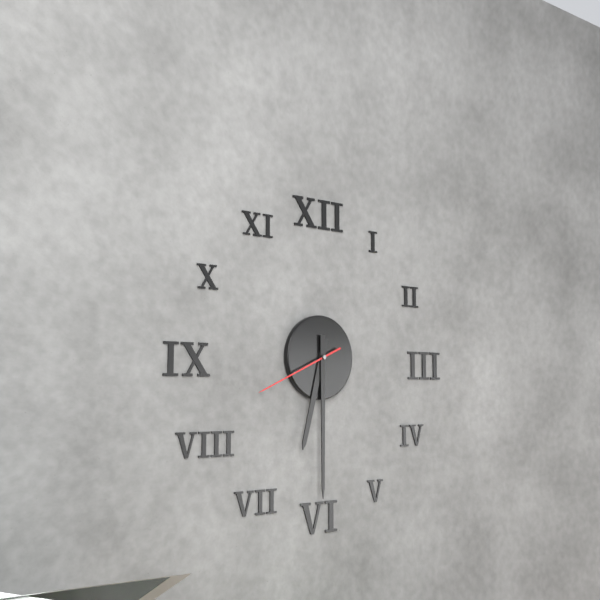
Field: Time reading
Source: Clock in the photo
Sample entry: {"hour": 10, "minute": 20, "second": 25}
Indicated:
{"hour": 6, "minute": 30, "second": 41}
